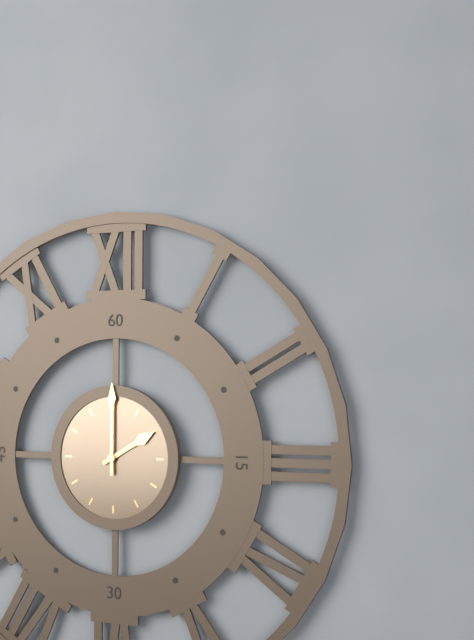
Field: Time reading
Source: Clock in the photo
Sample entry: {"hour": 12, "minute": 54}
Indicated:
{"hour": 2, "minute": 0}
